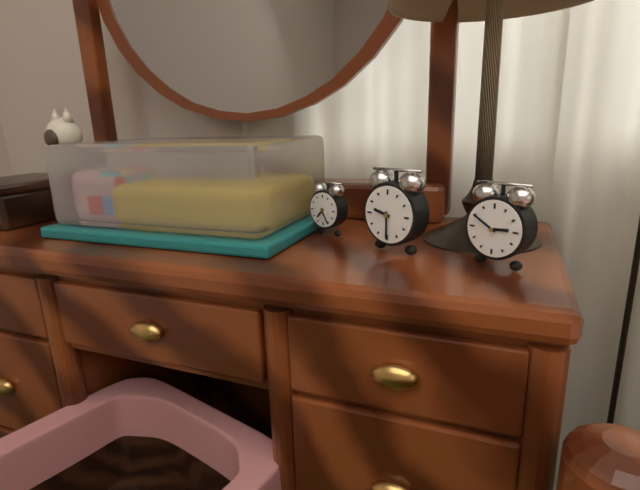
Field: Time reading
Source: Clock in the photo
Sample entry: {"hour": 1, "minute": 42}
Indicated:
{"hour": 9, "minute": 30}
